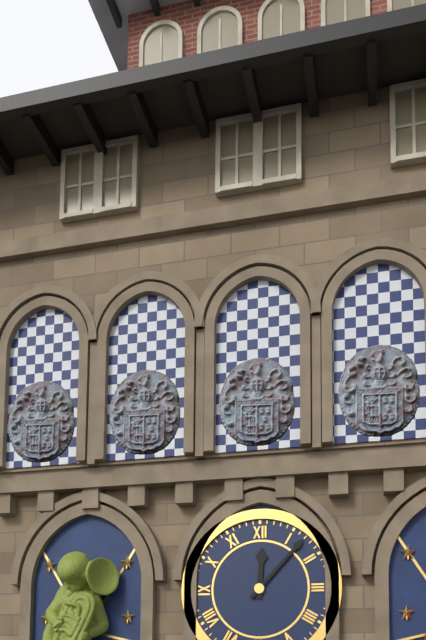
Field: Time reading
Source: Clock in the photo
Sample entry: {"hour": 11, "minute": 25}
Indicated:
{"hour": 12, "minute": 7}
